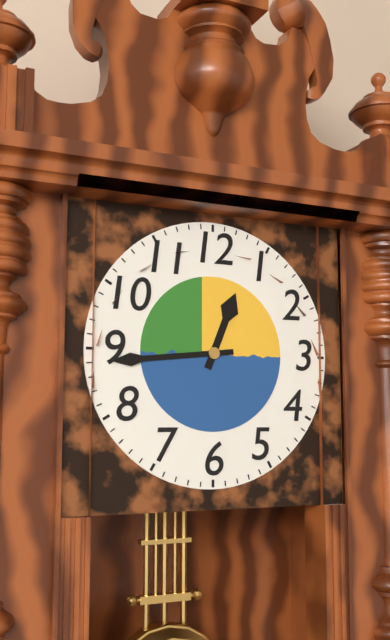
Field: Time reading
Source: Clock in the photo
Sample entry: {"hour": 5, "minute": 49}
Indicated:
{"hour": 12, "minute": 44}
